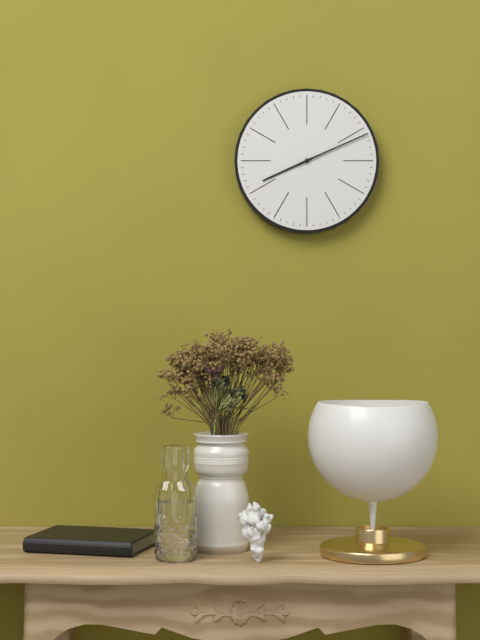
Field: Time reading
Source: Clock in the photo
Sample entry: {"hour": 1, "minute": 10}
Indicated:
{"hour": 8, "minute": 11}
